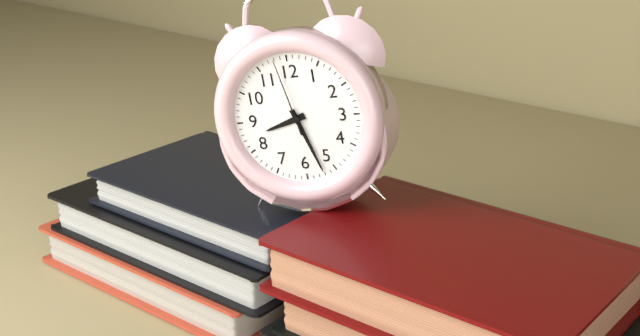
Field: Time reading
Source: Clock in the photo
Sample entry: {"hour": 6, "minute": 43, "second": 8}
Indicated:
{"hour": 8, "minute": 27, "second": 58}
